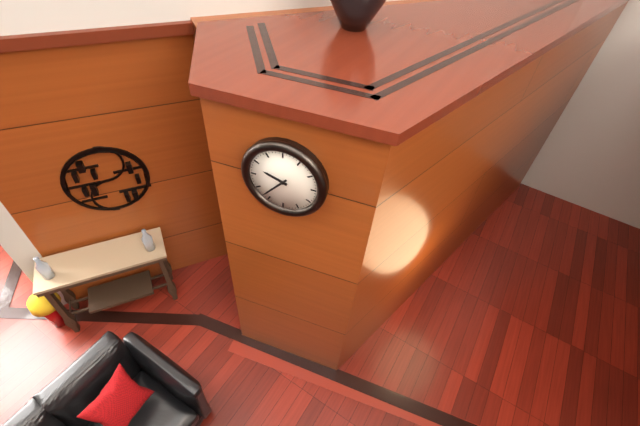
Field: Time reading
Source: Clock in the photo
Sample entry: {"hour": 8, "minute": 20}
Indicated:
{"hour": 9, "minute": 37}
